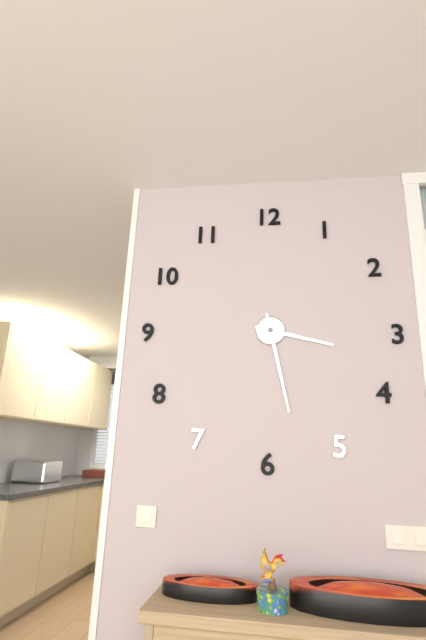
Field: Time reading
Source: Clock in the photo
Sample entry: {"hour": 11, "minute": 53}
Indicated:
{"hour": 3, "minute": 28}
